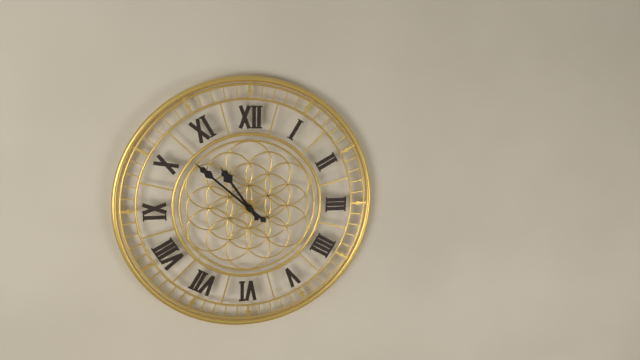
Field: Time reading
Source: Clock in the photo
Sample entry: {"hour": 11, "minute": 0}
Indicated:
{"hour": 10, "minute": 52}
